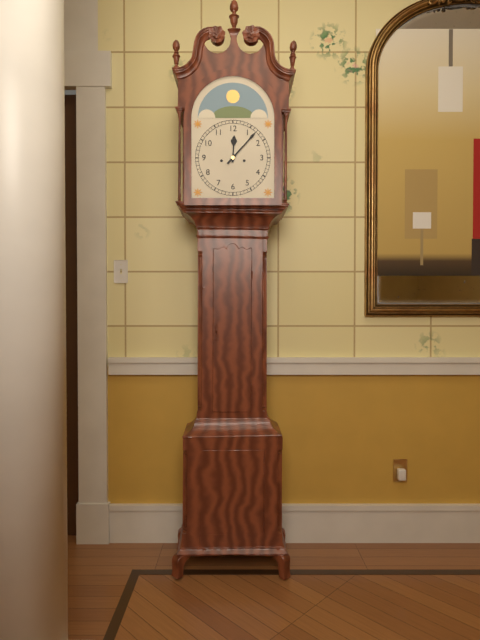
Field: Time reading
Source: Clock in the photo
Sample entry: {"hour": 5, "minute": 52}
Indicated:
{"hour": 12, "minute": 7}
